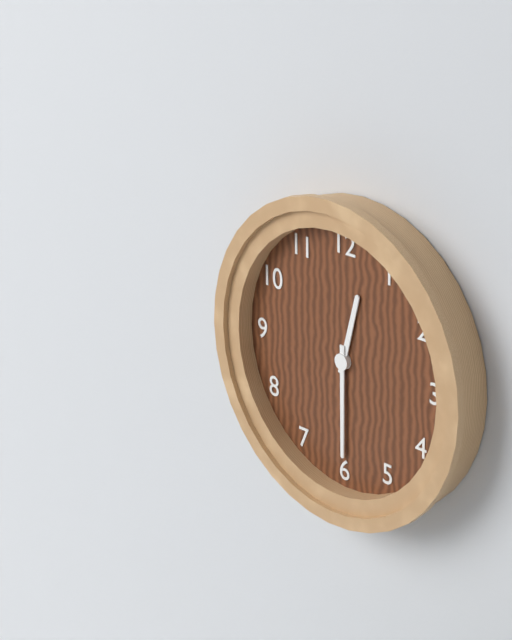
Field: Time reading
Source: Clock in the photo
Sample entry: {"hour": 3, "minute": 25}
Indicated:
{"hour": 12, "minute": 30}
